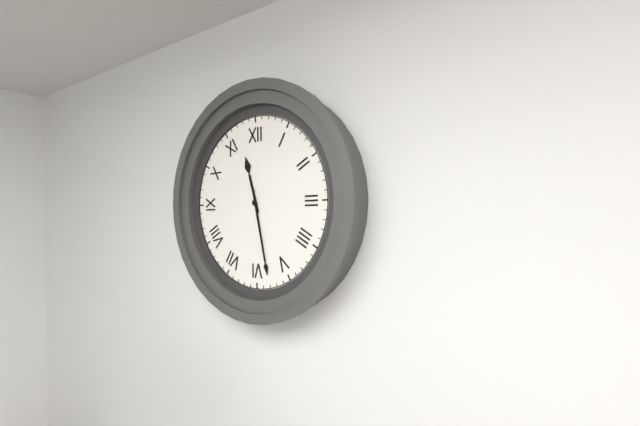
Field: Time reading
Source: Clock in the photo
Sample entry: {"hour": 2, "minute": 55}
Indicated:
{"hour": 11, "minute": 28}
